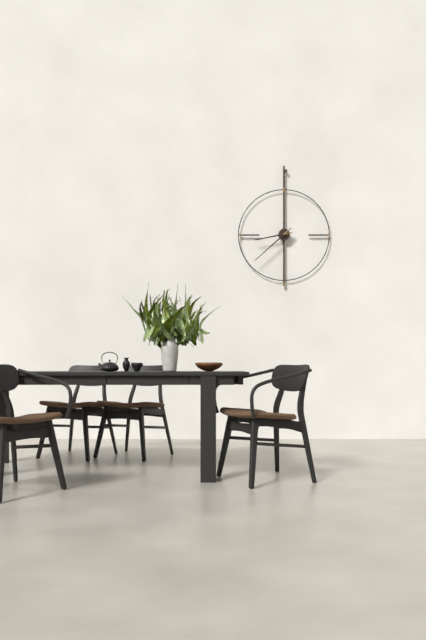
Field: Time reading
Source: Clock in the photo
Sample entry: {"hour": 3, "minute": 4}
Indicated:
{"hour": 8, "minute": 38}
